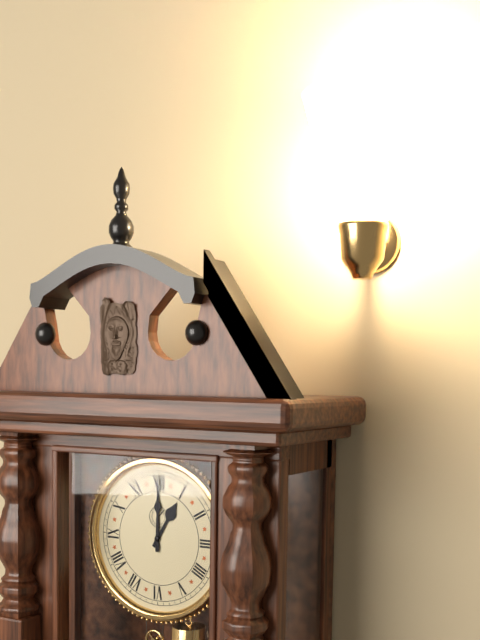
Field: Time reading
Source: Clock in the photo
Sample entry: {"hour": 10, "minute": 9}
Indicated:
{"hour": 1, "minute": 0}
